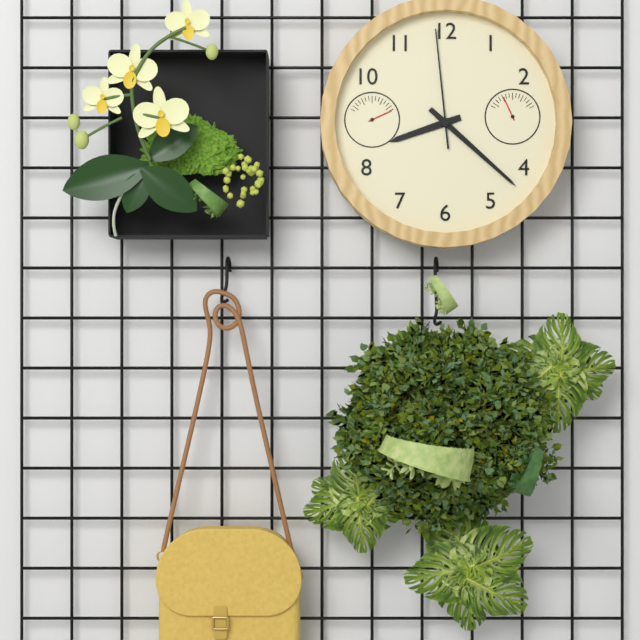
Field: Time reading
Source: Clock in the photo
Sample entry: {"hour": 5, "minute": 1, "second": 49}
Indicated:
{"hour": 8, "minute": 22, "second": 59}
